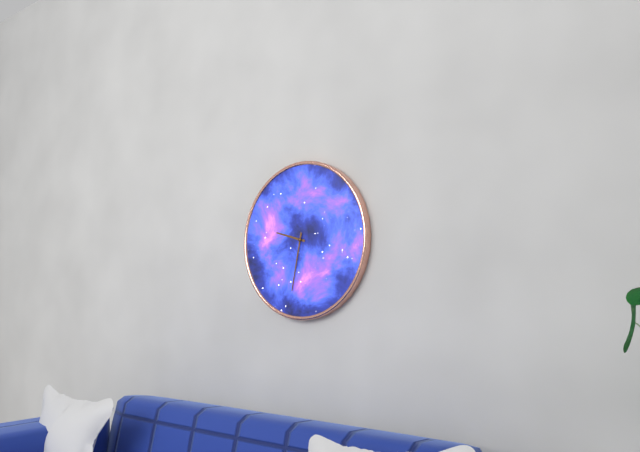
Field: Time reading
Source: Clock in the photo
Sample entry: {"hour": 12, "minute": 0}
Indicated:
{"hour": 9, "minute": 32}
